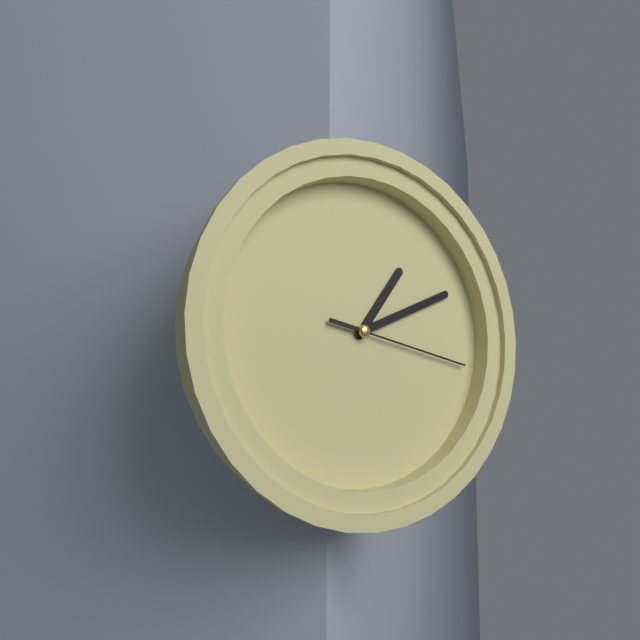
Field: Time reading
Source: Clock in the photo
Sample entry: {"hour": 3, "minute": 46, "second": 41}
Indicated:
{"hour": 1, "minute": 11, "second": 17}
